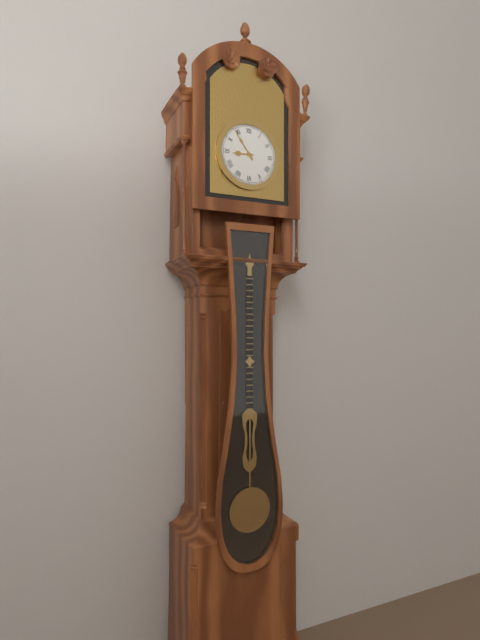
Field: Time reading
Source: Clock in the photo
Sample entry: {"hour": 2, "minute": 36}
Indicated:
{"hour": 8, "minute": 54}
